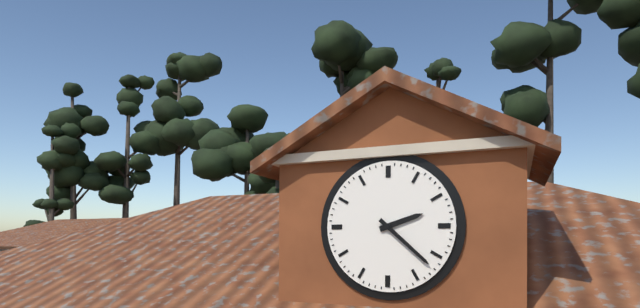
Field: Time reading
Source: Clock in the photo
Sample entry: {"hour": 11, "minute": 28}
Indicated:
{"hour": 2, "minute": 22}
